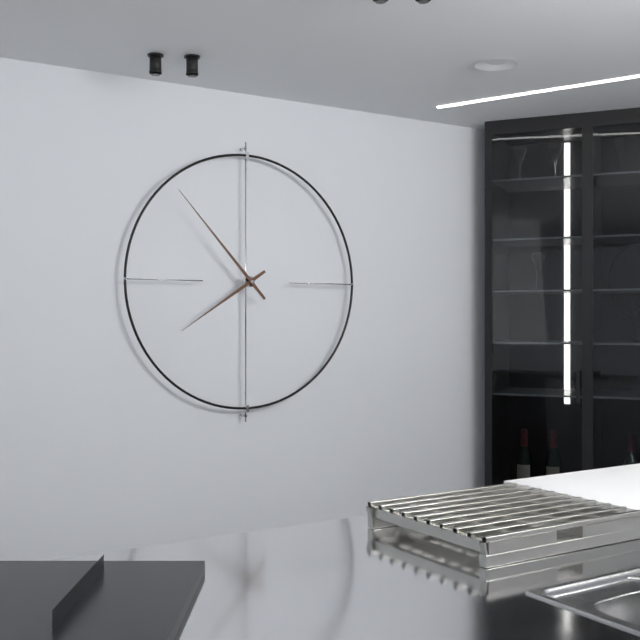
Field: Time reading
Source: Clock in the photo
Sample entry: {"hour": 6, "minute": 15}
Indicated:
{"hour": 7, "minute": 53}
